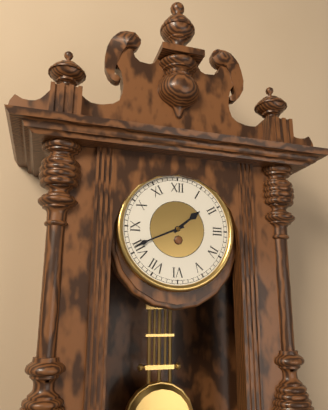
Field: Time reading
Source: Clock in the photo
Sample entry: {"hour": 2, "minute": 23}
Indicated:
{"hour": 1, "minute": 41}
